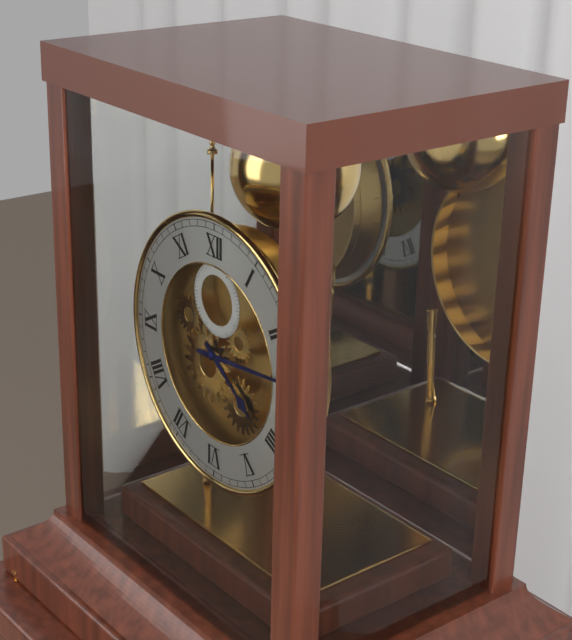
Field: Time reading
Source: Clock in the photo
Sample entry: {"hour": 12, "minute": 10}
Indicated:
{"hour": 4, "minute": 14}
